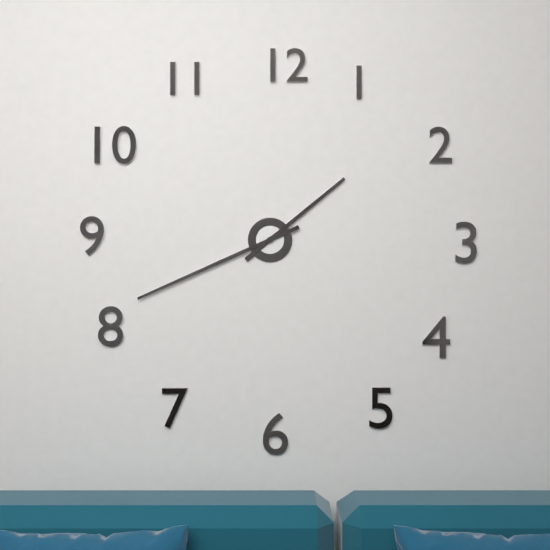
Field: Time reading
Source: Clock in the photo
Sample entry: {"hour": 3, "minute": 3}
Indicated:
{"hour": 1, "minute": 41}
